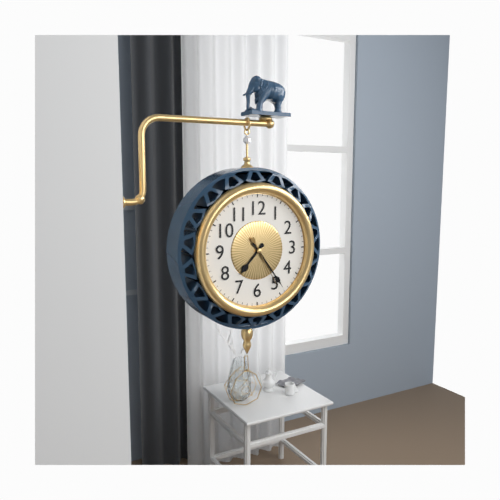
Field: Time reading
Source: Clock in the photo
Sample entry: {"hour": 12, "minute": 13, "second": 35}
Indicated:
{"hour": 7, "minute": 24, "second": 25}
